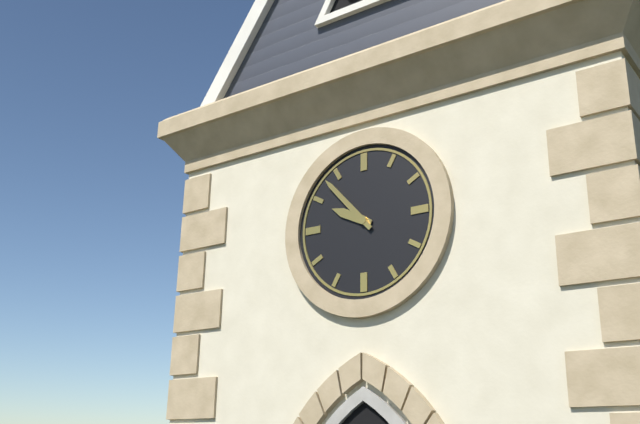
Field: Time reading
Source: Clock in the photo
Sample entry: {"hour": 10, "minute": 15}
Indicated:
{"hour": 9, "minute": 53}
